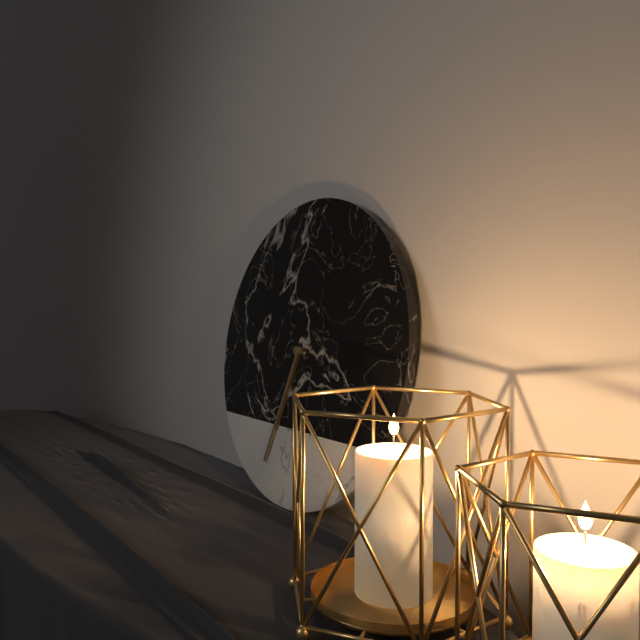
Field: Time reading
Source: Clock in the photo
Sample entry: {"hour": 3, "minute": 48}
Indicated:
{"hour": 6, "minute": 33}
